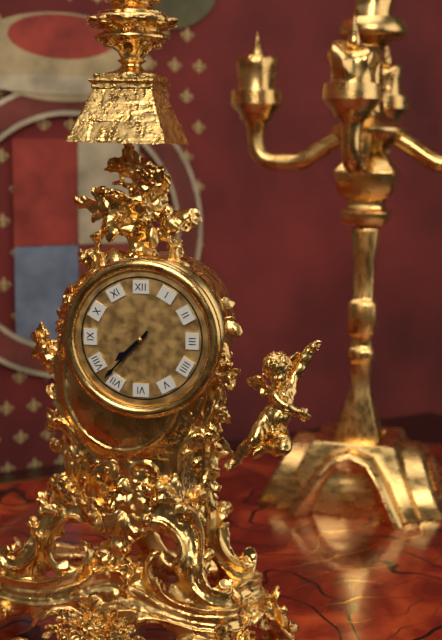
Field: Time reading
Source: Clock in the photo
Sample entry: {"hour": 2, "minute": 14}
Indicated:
{"hour": 7, "minute": 37}
